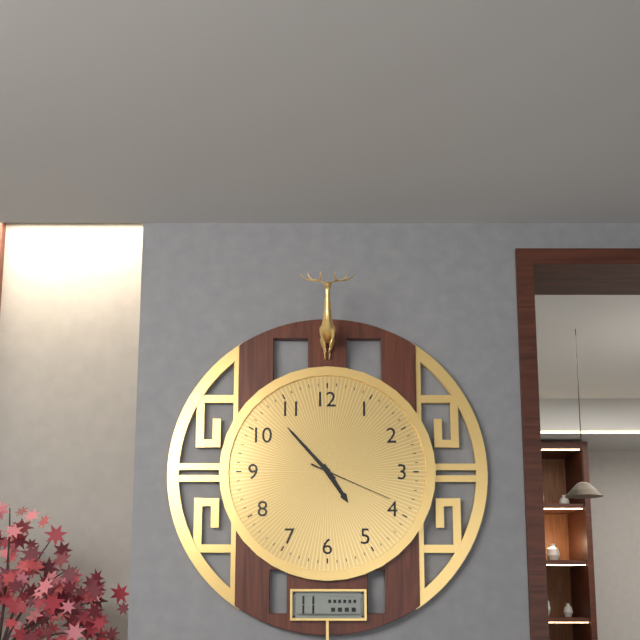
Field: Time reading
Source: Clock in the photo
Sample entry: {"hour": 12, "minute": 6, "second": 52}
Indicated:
{"hour": 4, "minute": 53, "second": 19}
